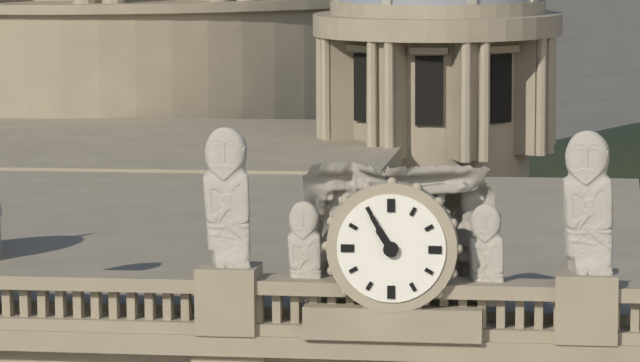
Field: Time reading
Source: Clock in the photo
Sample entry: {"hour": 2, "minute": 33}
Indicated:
{"hour": 10, "minute": 55}
